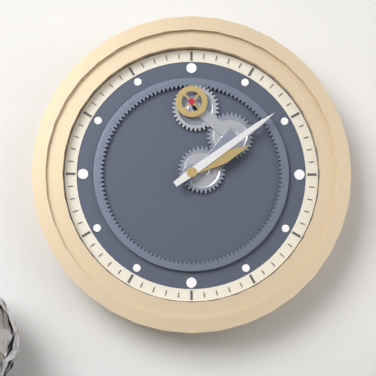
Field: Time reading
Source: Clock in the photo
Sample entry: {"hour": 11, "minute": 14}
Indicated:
{"hour": 2, "minute": 9}
